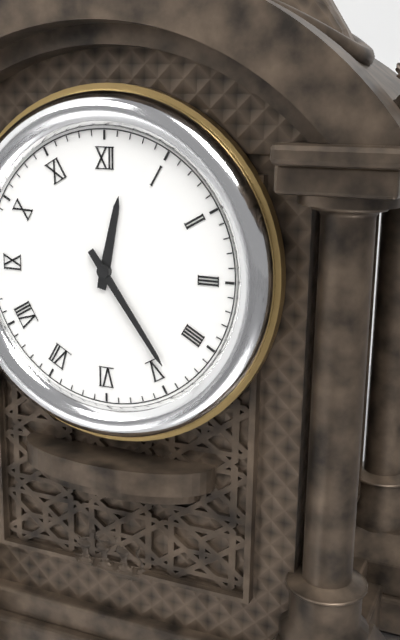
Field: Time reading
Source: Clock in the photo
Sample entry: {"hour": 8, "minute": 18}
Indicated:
{"hour": 12, "minute": 24}
